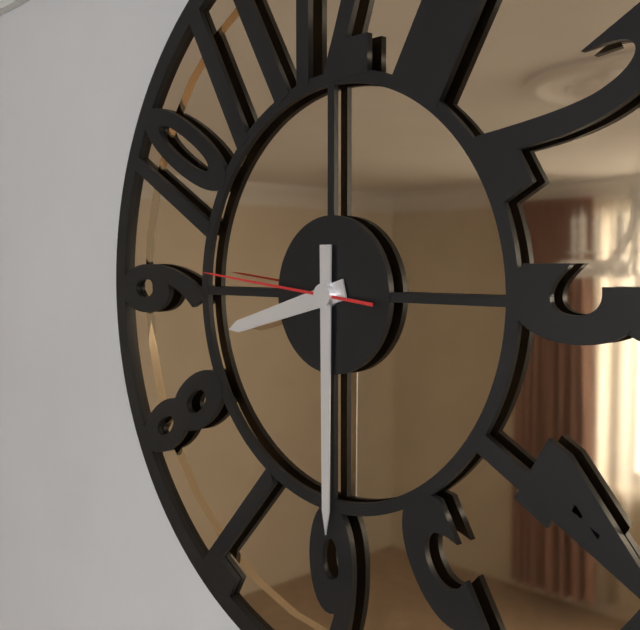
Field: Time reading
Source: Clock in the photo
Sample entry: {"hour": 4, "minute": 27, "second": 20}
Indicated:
{"hour": 8, "minute": 30, "second": 46}
